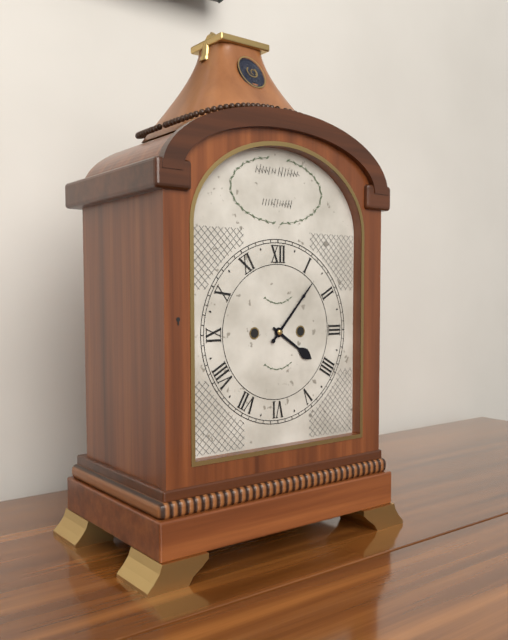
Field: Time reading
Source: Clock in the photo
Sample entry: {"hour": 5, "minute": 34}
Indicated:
{"hour": 4, "minute": 7}
